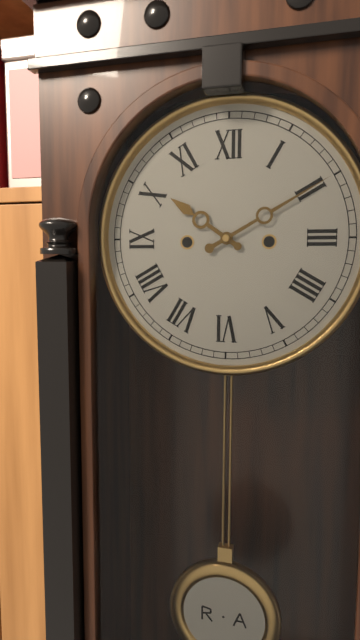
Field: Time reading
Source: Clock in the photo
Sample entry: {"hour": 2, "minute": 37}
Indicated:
{"hour": 10, "minute": 10}
